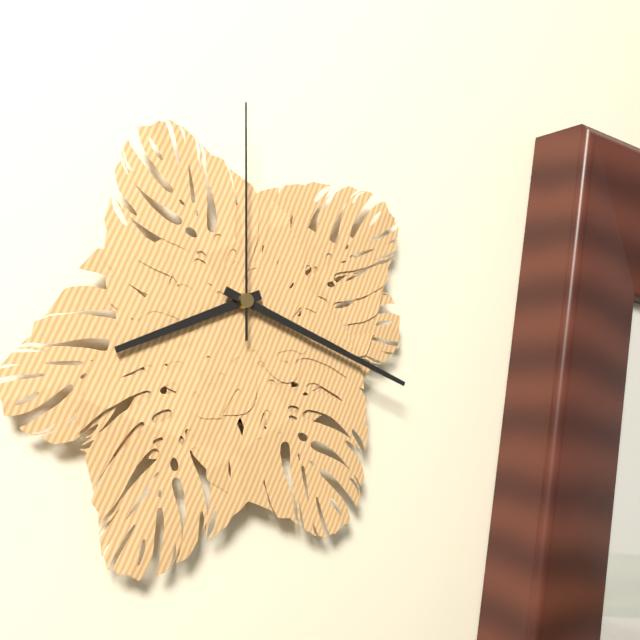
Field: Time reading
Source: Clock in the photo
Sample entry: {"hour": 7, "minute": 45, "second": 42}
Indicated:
{"hour": 8, "minute": 19, "second": 0}
